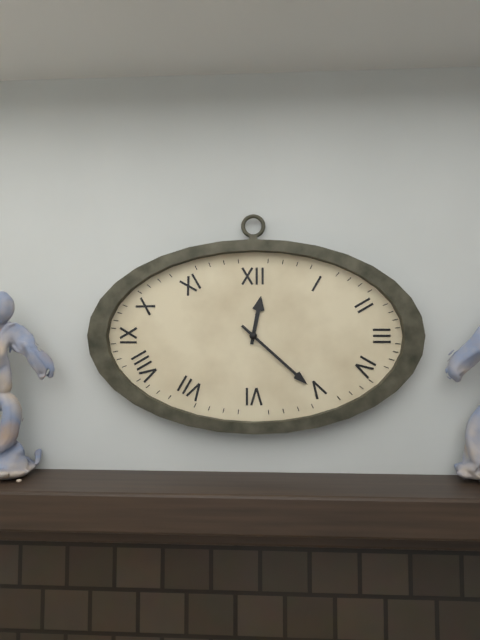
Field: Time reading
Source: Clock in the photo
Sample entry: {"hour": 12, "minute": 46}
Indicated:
{"hour": 12, "minute": 22}
